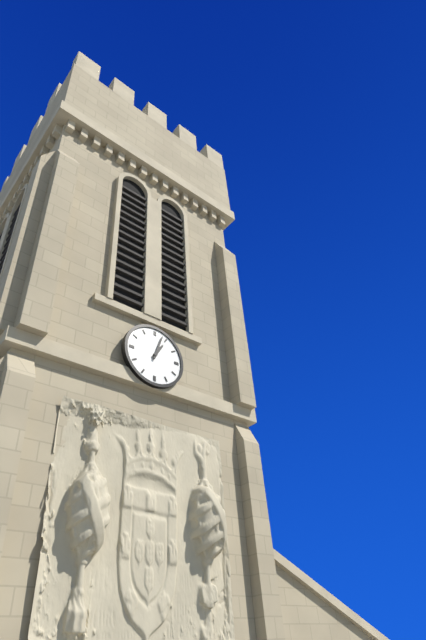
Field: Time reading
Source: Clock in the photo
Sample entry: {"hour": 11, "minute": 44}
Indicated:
{"hour": 1, "minute": 3}
